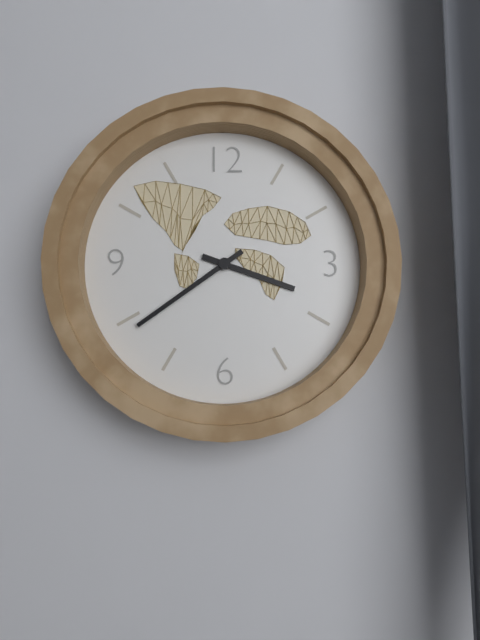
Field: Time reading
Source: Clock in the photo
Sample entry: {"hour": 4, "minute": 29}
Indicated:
{"hour": 3, "minute": 39}
